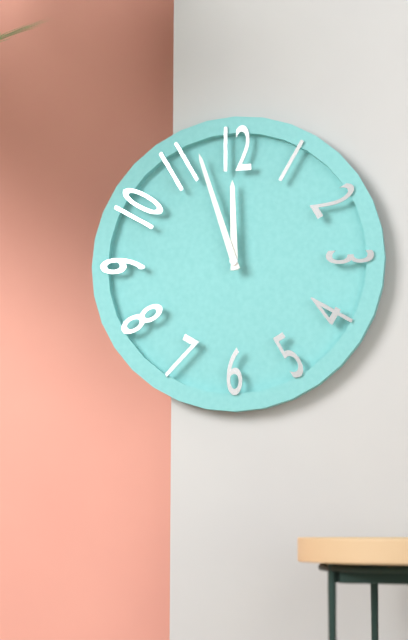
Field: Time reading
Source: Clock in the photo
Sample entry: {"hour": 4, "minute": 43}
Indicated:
{"hour": 11, "minute": 57}
